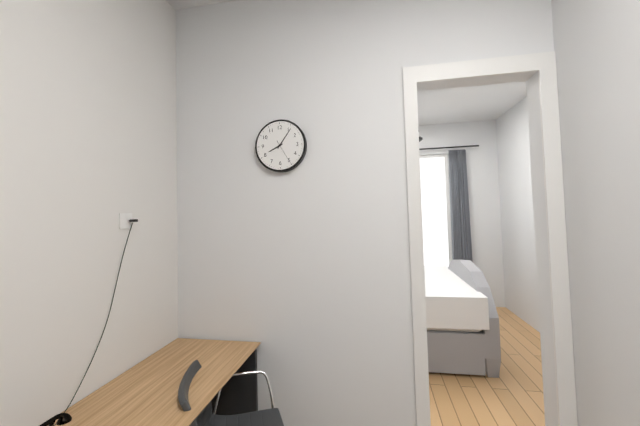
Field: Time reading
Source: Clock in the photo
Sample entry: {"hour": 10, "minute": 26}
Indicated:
{"hour": 8, "minute": 6}
